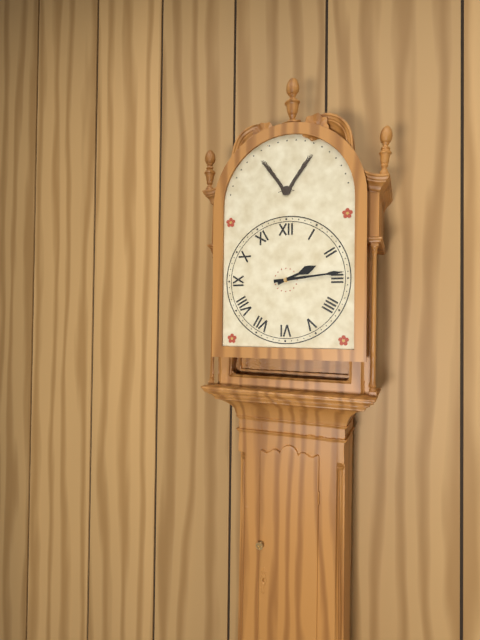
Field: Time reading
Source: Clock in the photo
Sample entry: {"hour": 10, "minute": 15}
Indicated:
{"hour": 2, "minute": 14}
